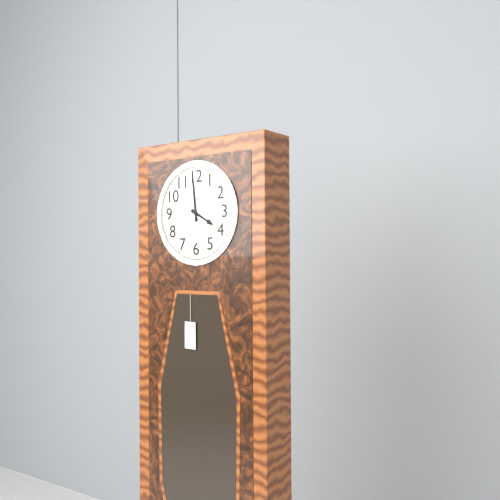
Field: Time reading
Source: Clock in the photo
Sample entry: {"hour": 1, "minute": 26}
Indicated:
{"hour": 3, "minute": 59}
